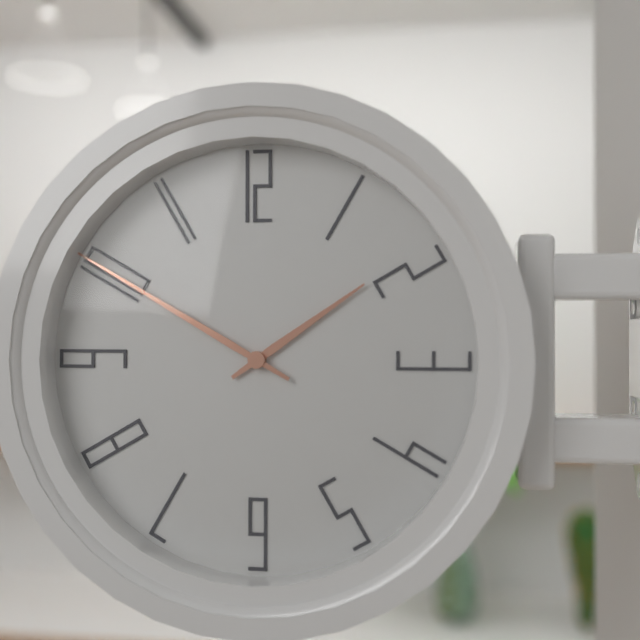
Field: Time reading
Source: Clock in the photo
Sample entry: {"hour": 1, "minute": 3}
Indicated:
{"hour": 1, "minute": 50}
